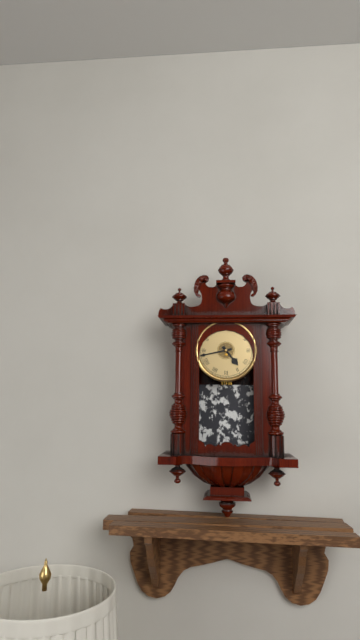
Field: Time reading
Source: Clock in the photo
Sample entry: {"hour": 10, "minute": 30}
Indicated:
{"hour": 4, "minute": 43}
